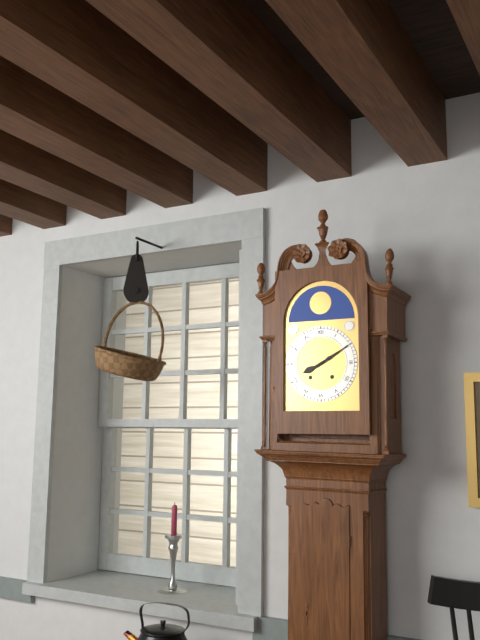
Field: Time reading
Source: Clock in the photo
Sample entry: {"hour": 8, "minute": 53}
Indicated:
{"hour": 8, "minute": 10}
